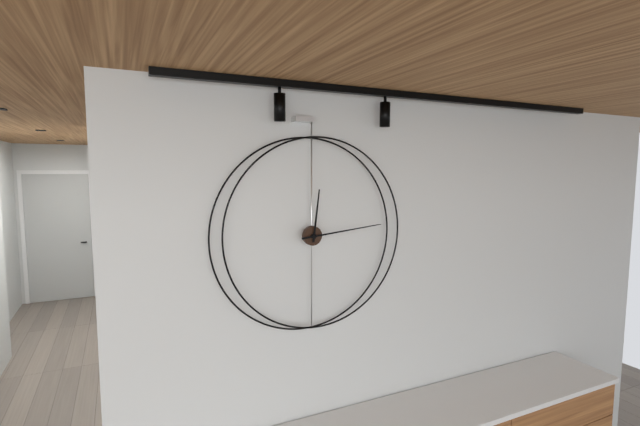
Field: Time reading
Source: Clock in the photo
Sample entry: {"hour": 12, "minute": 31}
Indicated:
{"hour": 12, "minute": 14}
